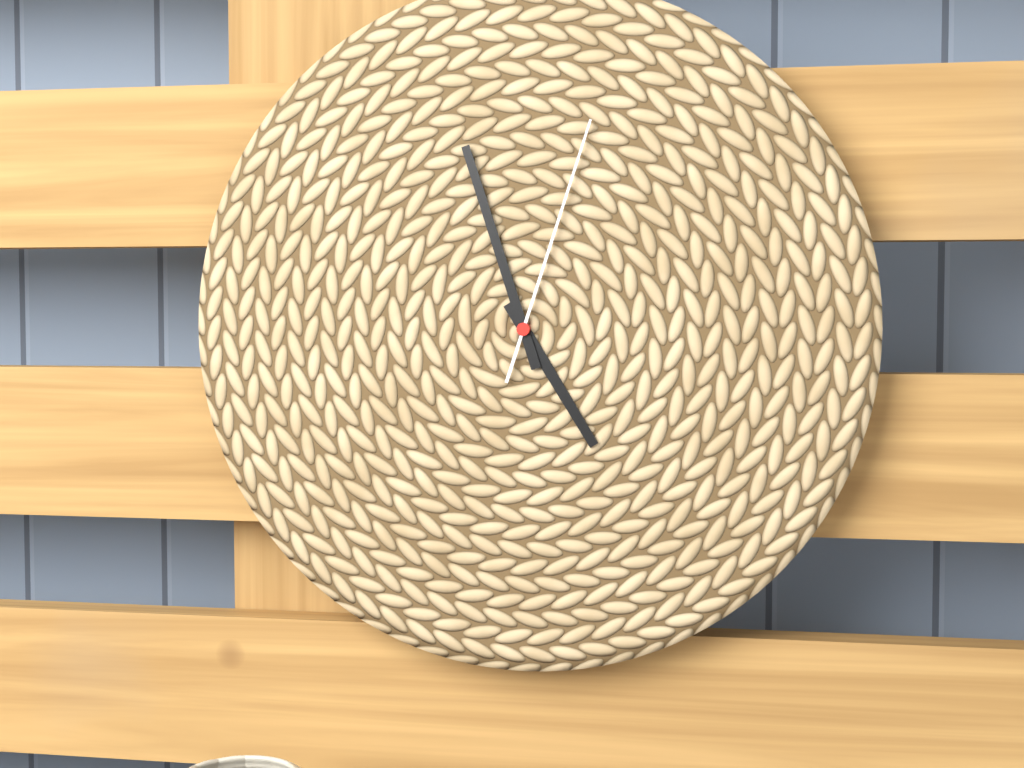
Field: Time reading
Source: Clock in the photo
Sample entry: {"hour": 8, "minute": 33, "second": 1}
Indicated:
{"hour": 4, "minute": 57, "second": 3}
